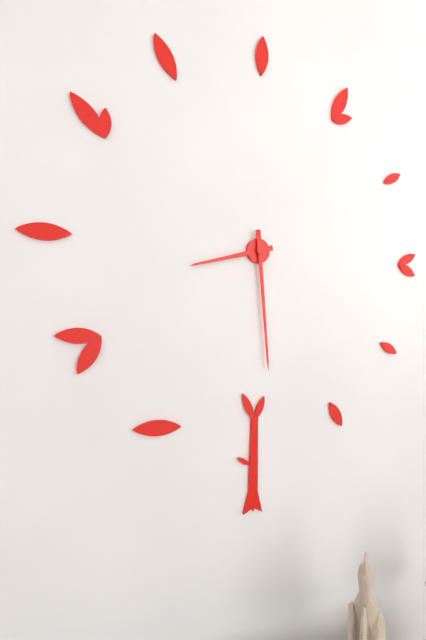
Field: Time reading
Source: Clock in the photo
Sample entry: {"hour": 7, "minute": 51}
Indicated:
{"hour": 8, "minute": 29}
